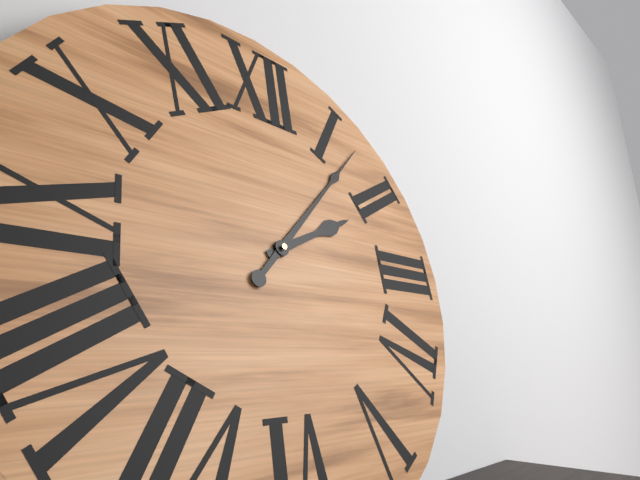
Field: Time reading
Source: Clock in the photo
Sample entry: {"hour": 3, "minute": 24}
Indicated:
{"hour": 2, "minute": 7}
